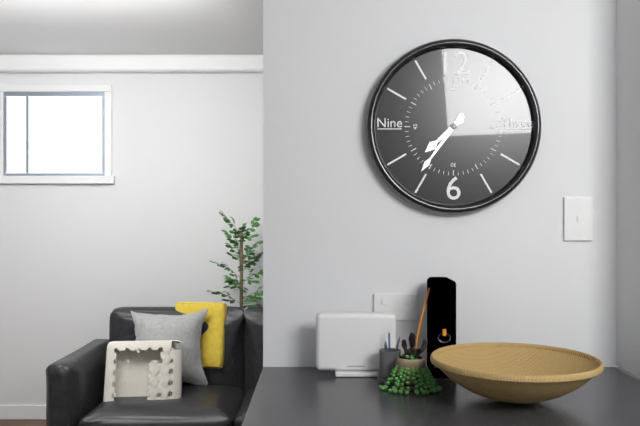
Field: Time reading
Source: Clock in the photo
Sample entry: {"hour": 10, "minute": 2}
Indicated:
{"hour": 7, "minute": 36}
